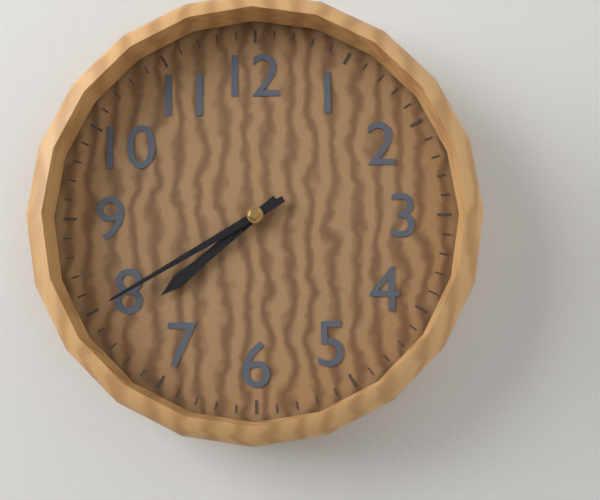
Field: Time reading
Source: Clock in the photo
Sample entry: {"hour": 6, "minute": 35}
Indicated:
{"hour": 7, "minute": 40}
